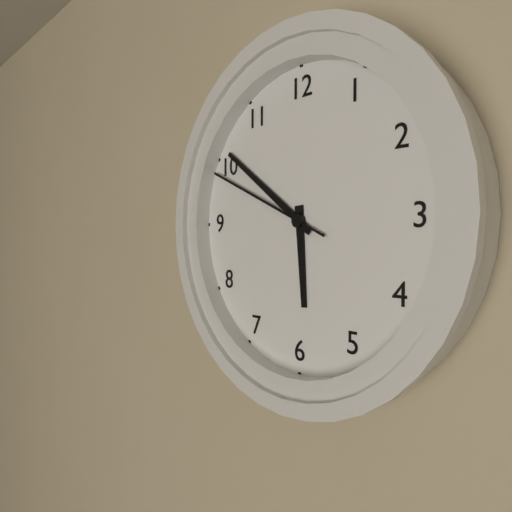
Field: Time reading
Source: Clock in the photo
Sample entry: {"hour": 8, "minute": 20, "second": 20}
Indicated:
{"hour": 5, "minute": 51, "second": 49}
